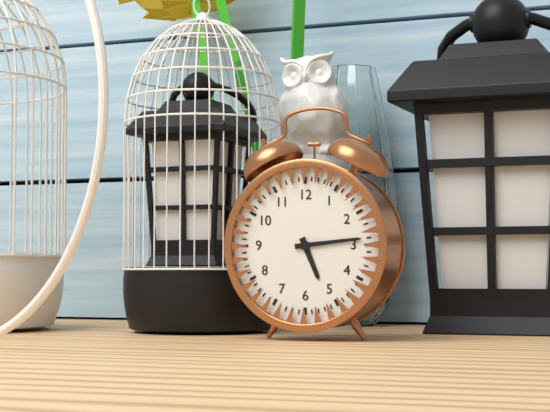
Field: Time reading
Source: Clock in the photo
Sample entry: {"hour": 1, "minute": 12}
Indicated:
{"hour": 5, "minute": 14}
